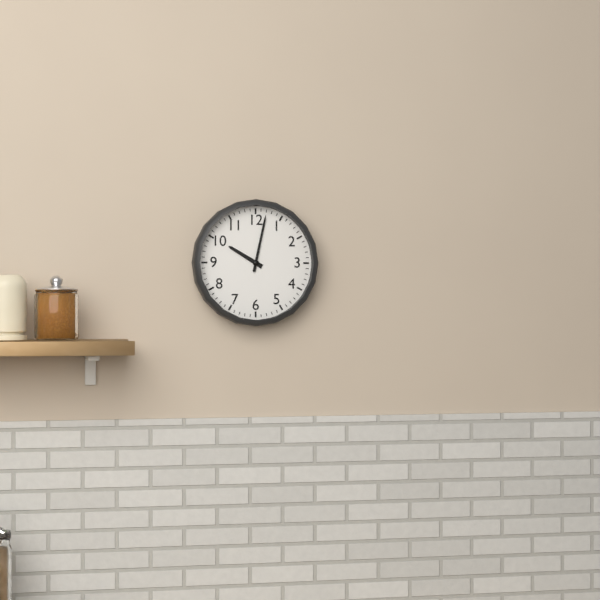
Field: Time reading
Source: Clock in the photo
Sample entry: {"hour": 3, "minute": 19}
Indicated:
{"hour": 10, "minute": 2}
